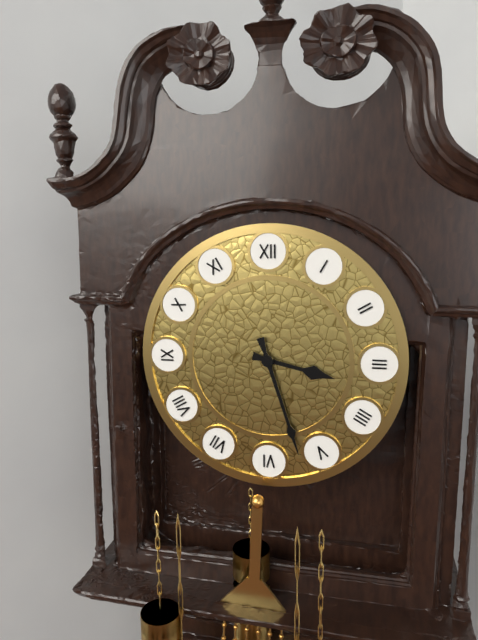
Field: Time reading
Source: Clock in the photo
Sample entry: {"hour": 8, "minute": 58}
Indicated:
{"hour": 3, "minute": 27}
